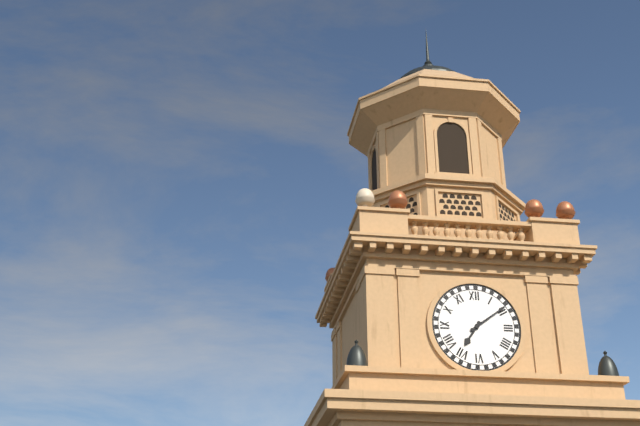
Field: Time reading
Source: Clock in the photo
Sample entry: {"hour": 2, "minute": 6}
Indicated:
{"hour": 7, "minute": 9}
